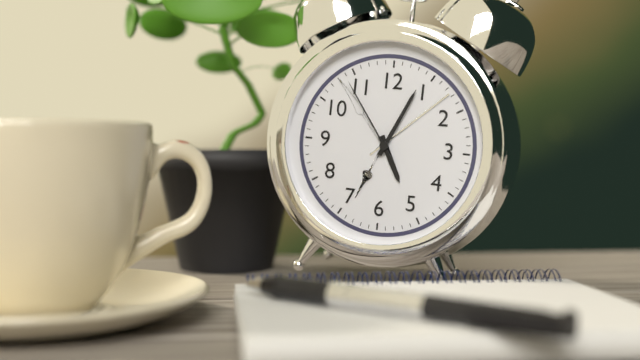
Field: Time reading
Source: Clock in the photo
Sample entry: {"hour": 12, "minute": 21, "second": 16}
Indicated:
{"hour": 5, "minute": 4, "second": 54}
